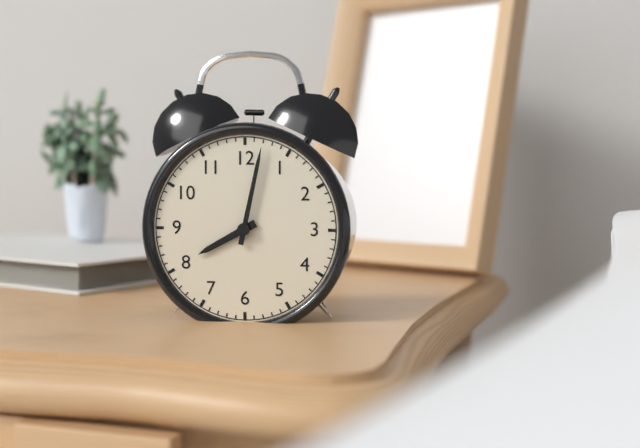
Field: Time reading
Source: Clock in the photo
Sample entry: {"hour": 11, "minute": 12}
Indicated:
{"hour": 8, "minute": 2}
